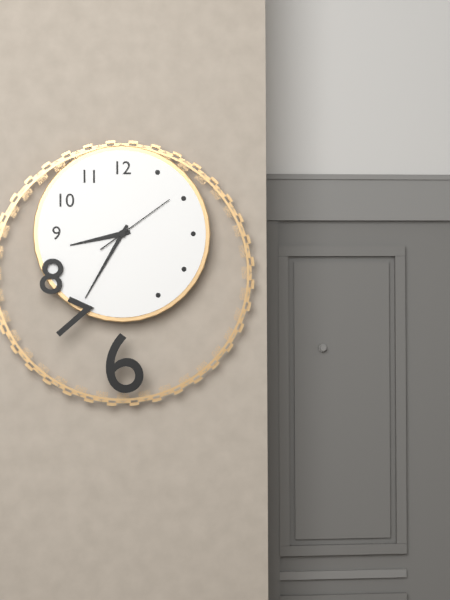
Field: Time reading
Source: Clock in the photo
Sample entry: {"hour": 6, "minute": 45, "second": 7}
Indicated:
{"hour": 8, "minute": 35, "second": 9}
